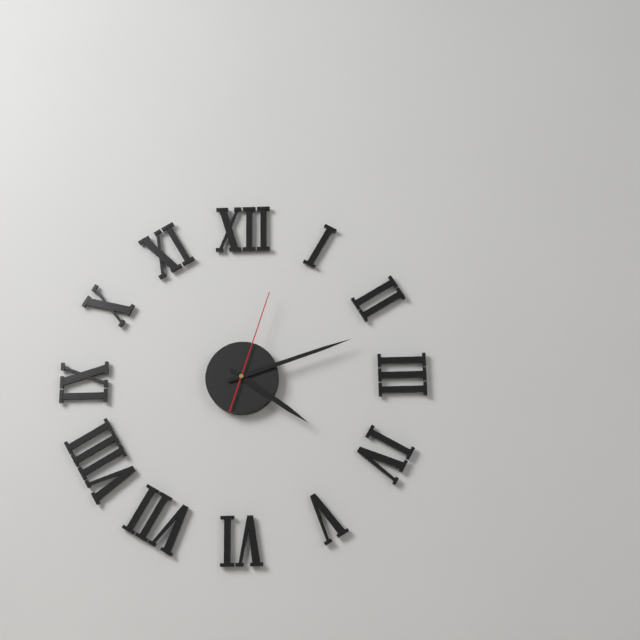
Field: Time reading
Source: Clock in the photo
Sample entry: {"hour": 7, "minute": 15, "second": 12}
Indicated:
{"hour": 4, "minute": 12, "second": 3}
